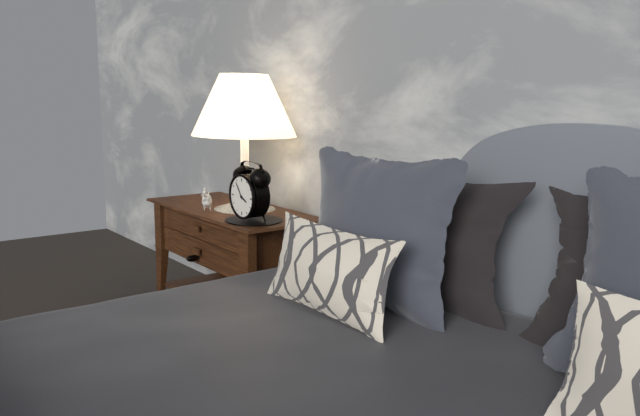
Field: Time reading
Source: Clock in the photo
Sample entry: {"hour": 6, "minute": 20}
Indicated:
{"hour": 3, "minute": 54}
